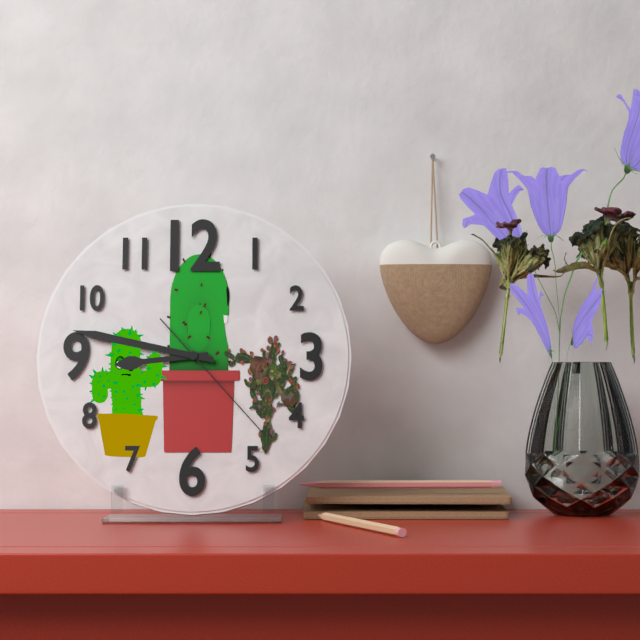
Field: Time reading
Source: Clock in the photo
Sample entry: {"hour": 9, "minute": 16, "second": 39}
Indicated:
{"hour": 8, "minute": 47, "second": 23}
